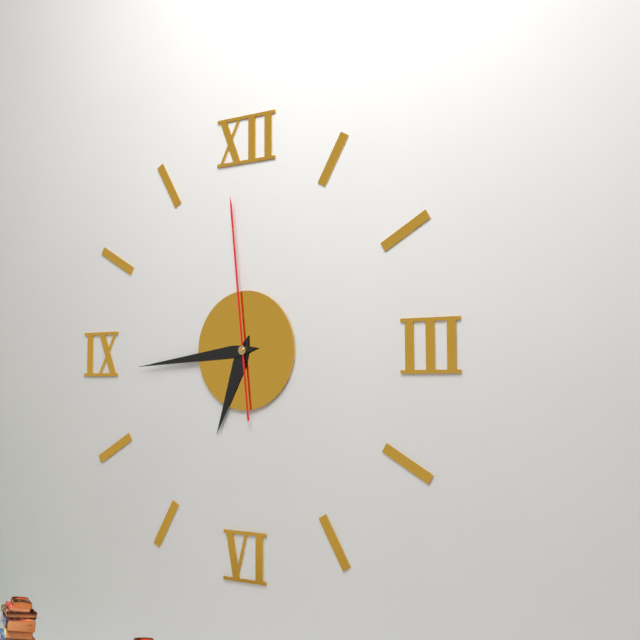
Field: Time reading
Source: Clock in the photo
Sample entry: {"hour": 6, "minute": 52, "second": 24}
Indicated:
{"hour": 6, "minute": 44, "second": 59}
